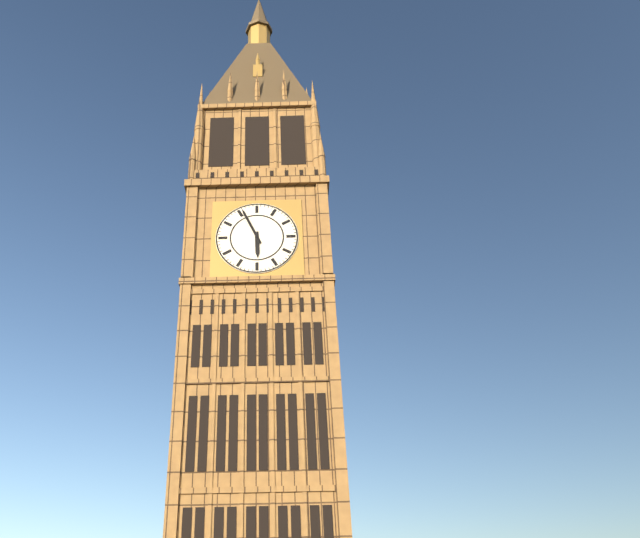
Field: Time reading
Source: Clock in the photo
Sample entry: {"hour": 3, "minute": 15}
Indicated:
{"hour": 5, "minute": 56}
